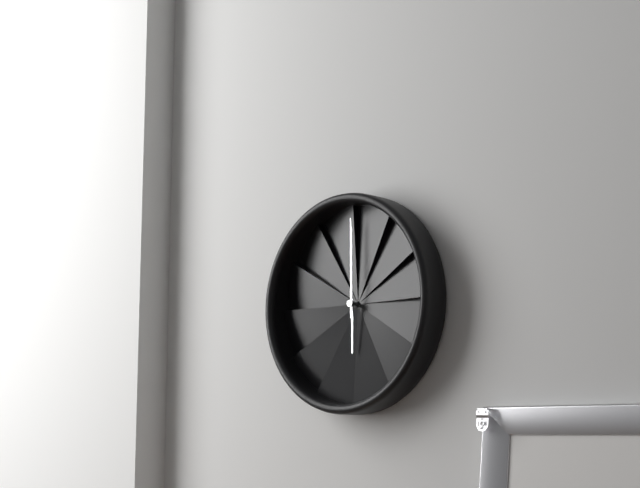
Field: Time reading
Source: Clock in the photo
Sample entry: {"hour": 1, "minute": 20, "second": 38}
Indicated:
{"hour": 6, "minute": 0, "second": 0}
